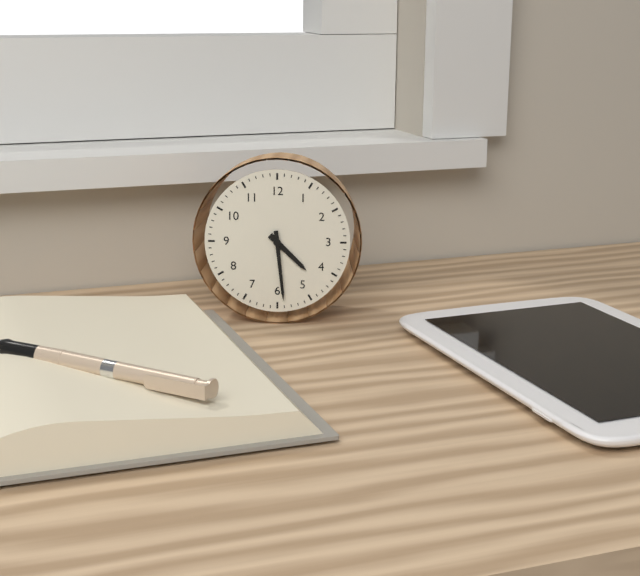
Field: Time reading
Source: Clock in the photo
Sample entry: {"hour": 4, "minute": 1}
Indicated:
{"hour": 4, "minute": 29}
